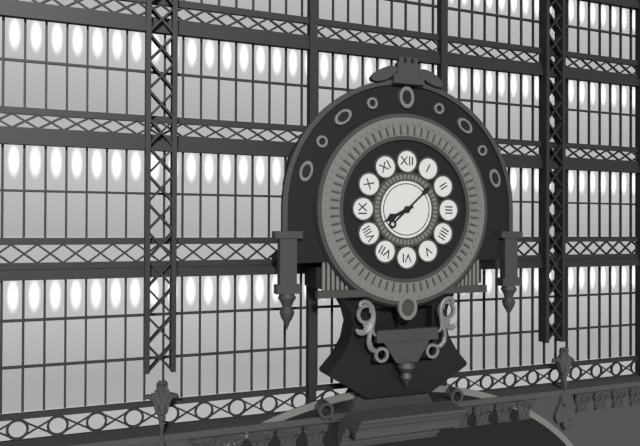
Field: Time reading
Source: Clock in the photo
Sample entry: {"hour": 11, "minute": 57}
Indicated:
{"hour": 8, "minute": 8}
